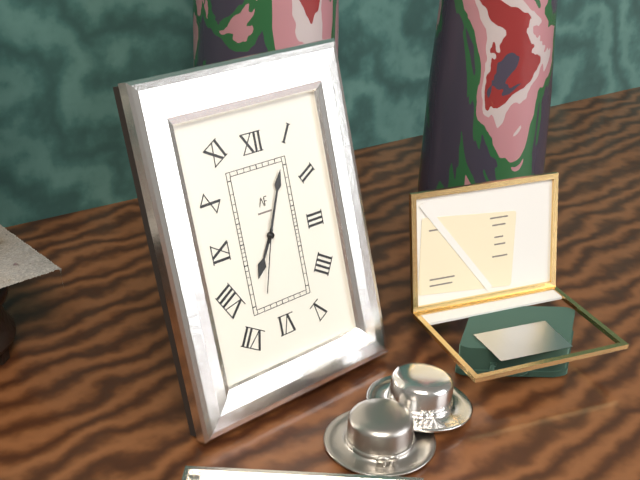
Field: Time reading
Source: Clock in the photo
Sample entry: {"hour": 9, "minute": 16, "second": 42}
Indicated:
{"hour": 7, "minute": 4, "second": 33}
